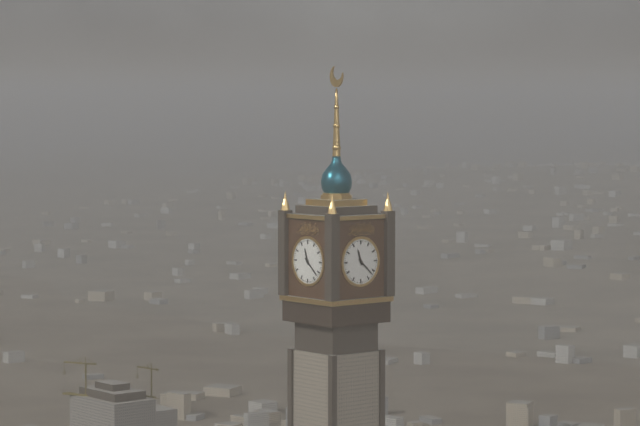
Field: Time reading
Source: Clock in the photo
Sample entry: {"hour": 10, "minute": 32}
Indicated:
{"hour": 11, "minute": 22}
